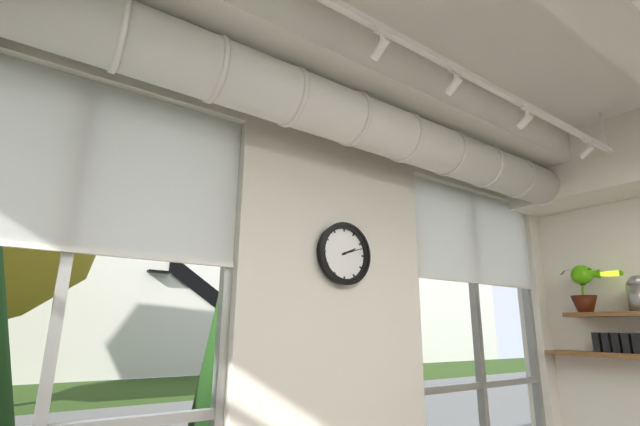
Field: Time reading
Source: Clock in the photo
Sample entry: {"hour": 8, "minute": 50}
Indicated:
{"hour": 2, "minute": 12}
